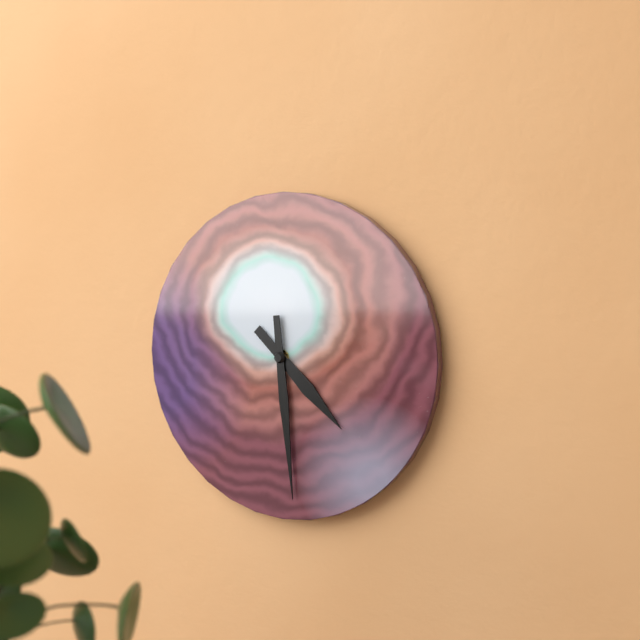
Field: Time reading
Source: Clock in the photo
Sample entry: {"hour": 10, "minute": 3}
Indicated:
{"hour": 4, "minute": 29}
